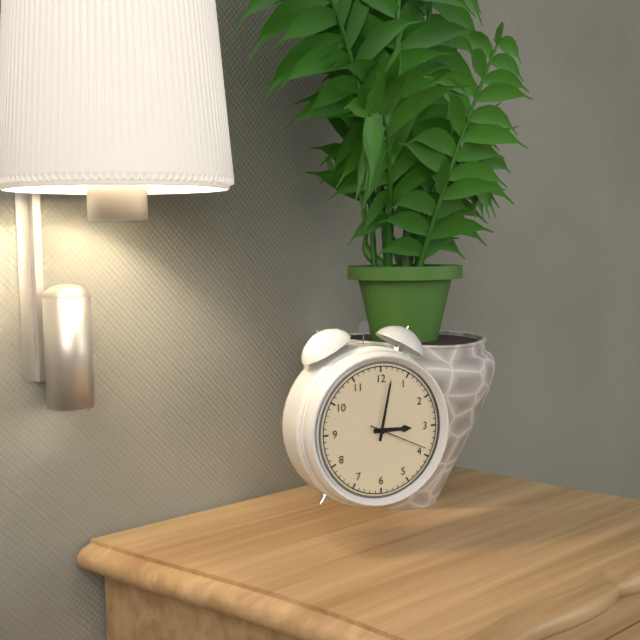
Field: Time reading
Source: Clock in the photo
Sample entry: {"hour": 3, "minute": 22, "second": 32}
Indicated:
{"hour": 3, "minute": 2, "second": 19}
